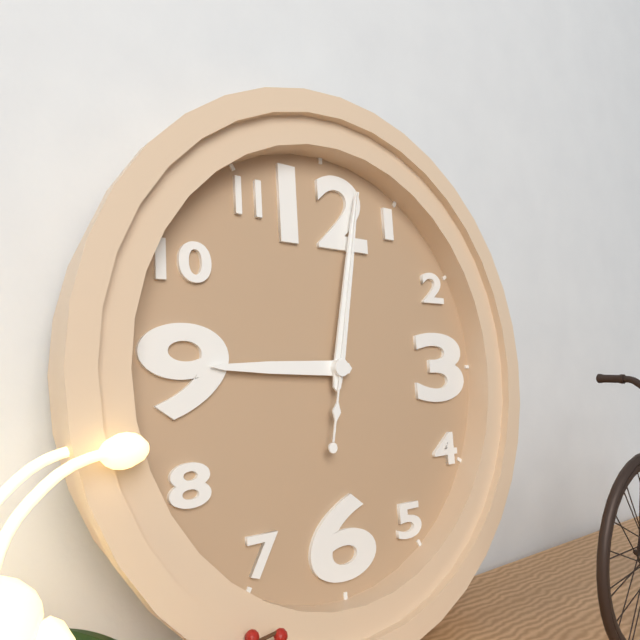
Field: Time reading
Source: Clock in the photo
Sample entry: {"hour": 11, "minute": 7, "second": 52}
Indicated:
{"hour": 9, "minute": 2, "second": 2}
